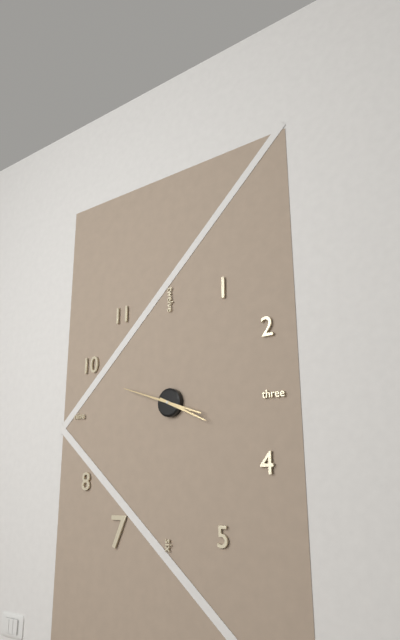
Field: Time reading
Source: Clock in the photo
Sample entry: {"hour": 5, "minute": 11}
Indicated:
{"hour": 3, "minute": 48}
